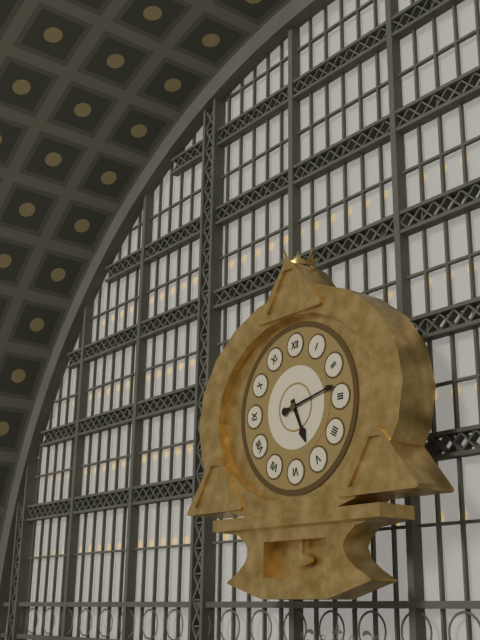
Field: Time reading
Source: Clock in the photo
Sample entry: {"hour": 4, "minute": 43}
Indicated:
{"hour": 5, "minute": 13}
